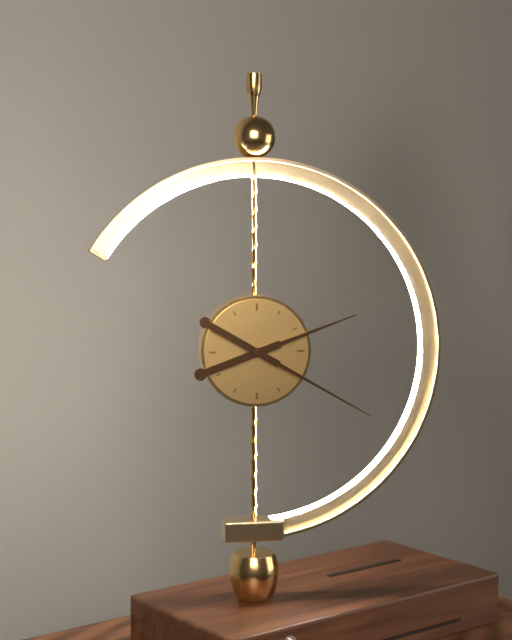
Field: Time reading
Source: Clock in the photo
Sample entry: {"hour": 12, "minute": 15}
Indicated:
{"hour": 2, "minute": 20}
